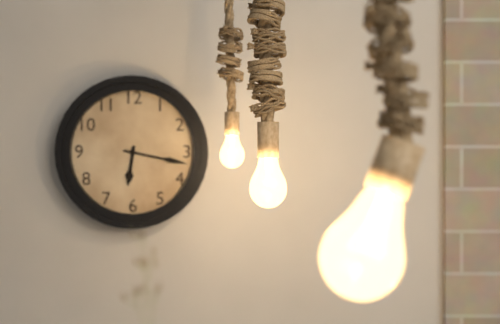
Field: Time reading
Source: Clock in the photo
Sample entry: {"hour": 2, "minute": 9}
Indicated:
{"hour": 6, "minute": 17}
